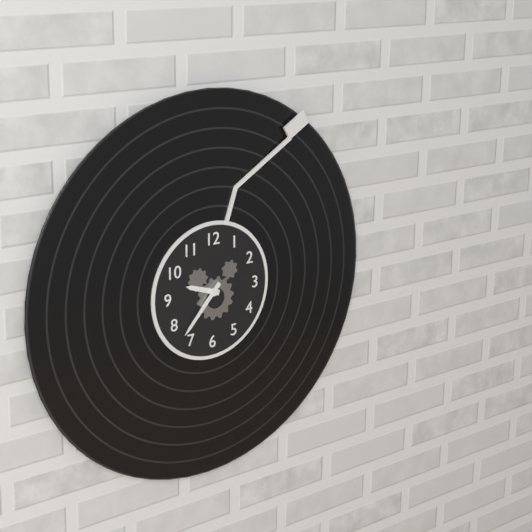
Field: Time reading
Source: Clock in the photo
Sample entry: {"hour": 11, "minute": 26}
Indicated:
{"hour": 9, "minute": 37}
